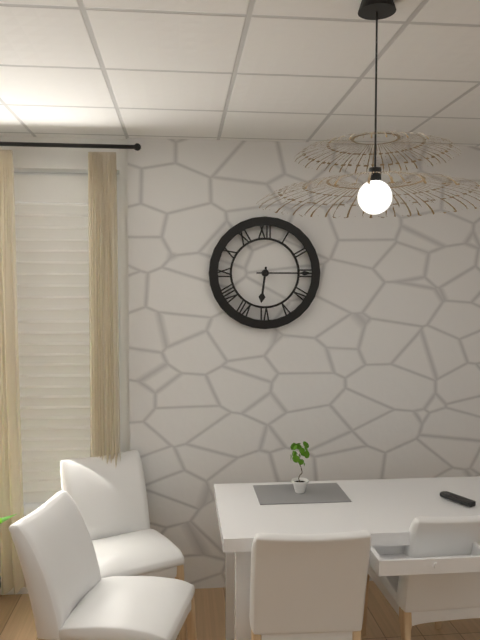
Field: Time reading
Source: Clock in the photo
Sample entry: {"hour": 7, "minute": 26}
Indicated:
{"hour": 6, "minute": 15}
